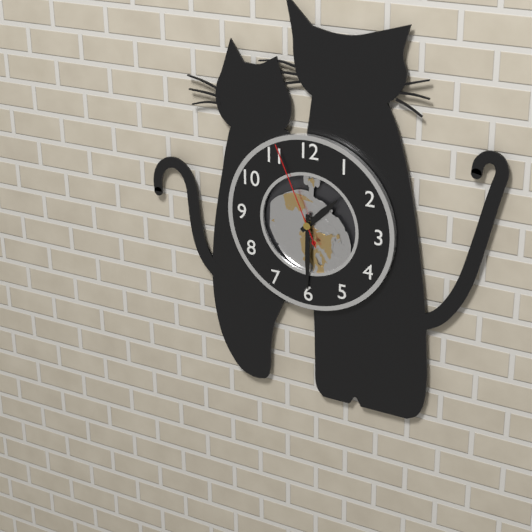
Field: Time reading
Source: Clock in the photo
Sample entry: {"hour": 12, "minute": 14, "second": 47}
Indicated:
{"hour": 1, "minute": 30, "second": 56}
